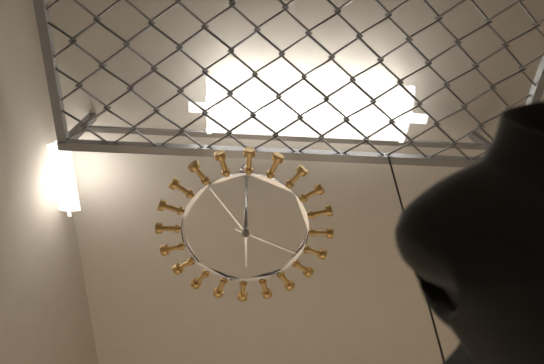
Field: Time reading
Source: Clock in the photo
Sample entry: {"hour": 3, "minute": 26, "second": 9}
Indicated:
{"hour": 5, "minute": 54, "second": 19}
